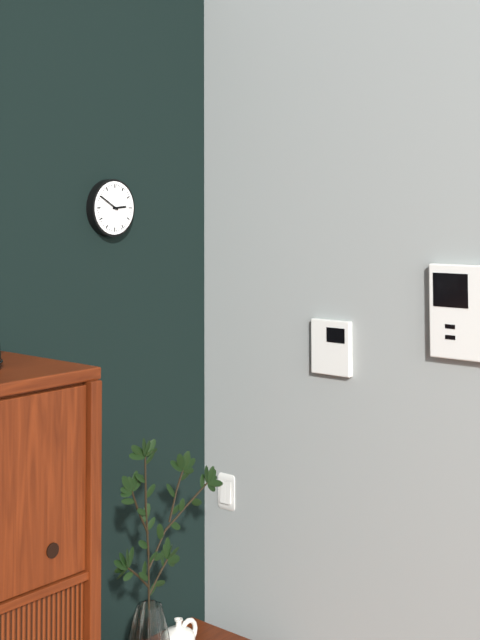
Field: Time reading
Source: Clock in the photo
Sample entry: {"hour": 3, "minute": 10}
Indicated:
{"hour": 2, "minute": 50}
